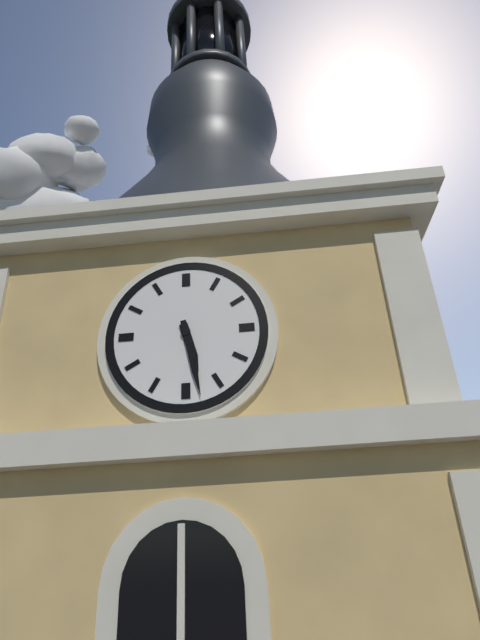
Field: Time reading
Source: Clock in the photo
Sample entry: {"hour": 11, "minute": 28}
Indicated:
{"hour": 5, "minute": 28}
